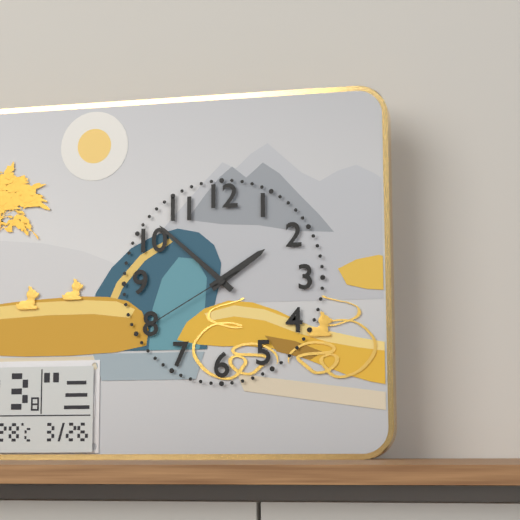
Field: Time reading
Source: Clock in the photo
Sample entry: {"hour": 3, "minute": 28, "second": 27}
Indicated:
{"hour": 1, "minute": 52, "second": 40}
